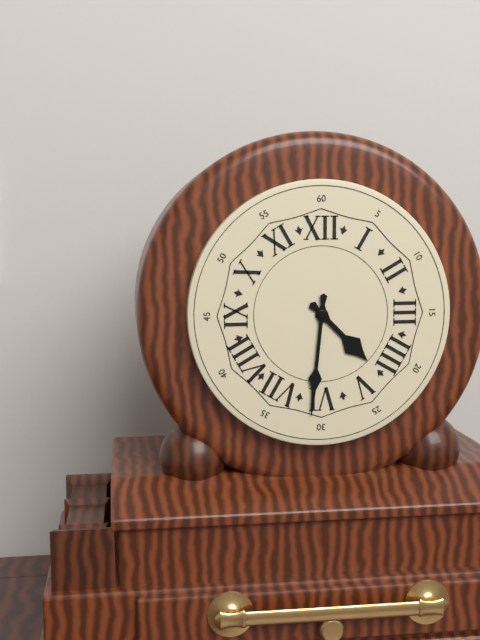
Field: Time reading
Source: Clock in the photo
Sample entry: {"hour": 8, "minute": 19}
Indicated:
{"hour": 4, "minute": 31}
